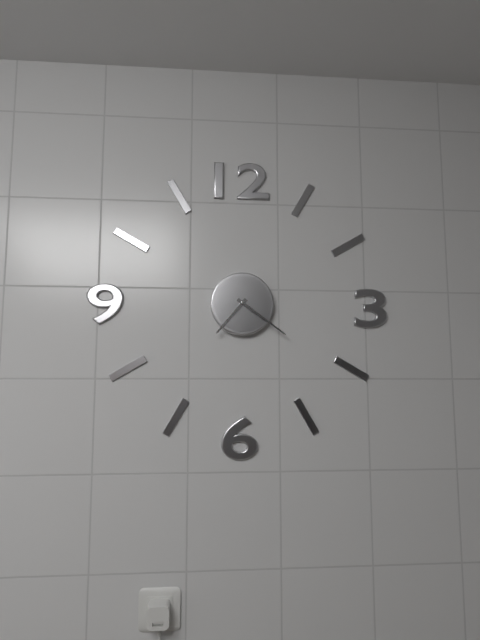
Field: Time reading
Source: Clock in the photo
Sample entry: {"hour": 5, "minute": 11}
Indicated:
{"hour": 7, "minute": 21}
